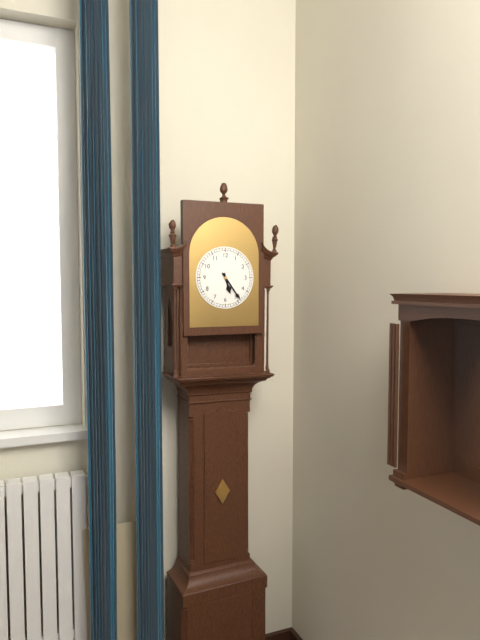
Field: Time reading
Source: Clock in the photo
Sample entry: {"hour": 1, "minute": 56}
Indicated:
{"hour": 5, "minute": 24}
